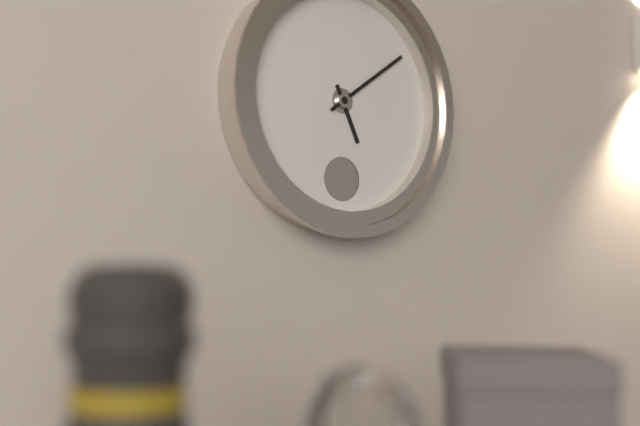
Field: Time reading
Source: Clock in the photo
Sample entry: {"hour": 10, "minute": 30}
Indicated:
{"hour": 5, "minute": 9}
